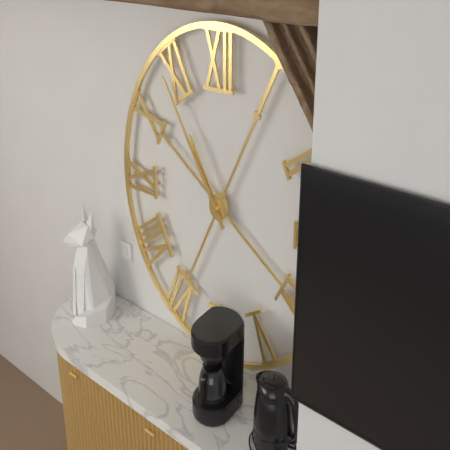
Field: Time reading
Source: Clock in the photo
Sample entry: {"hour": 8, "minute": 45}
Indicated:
{"hour": 10, "minute": 54}
